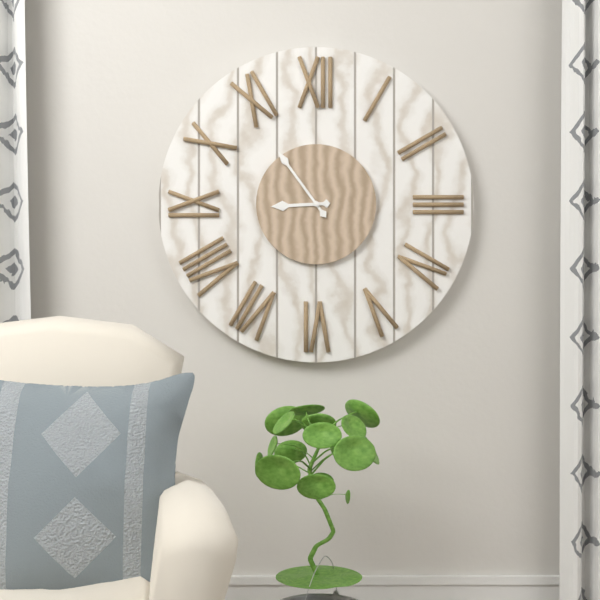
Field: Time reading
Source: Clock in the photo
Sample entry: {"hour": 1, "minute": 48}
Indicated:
{"hour": 8, "minute": 54}
